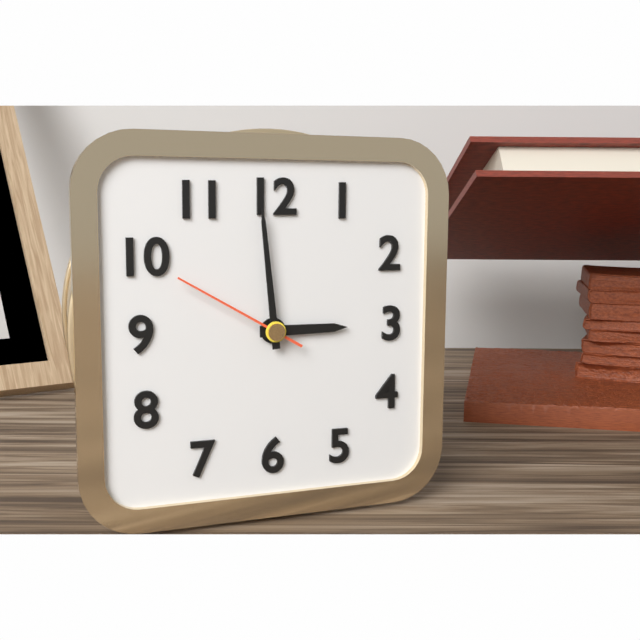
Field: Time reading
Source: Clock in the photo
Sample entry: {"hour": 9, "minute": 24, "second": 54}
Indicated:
{"hour": 2, "minute": 59, "second": 50}
